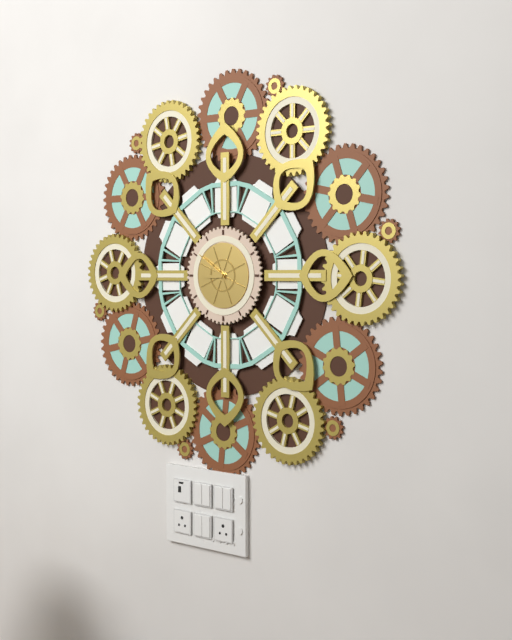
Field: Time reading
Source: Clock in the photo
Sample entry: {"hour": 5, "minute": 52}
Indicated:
{"hour": 8, "minute": 51}
